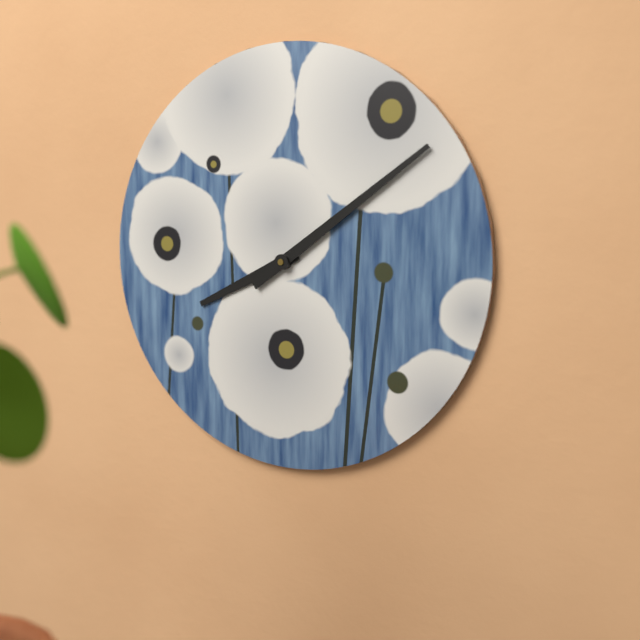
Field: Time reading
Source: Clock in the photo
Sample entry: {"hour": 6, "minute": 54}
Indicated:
{"hour": 8, "minute": 9}
